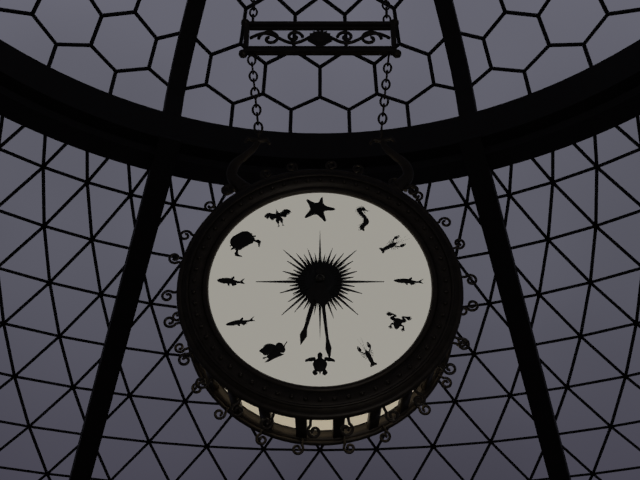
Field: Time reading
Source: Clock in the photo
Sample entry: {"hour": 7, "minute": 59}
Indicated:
{"hour": 6, "minute": 29}
